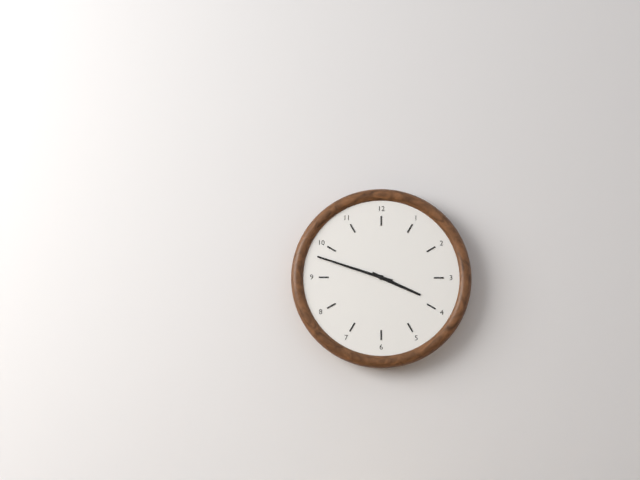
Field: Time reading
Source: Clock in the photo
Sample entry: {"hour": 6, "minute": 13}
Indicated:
{"hour": 3, "minute": 48}
